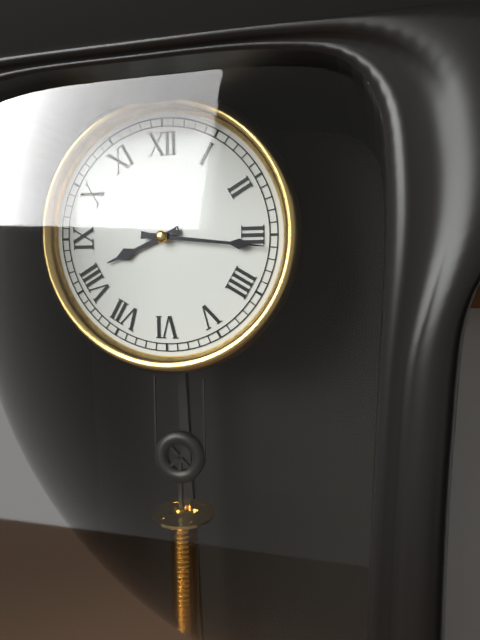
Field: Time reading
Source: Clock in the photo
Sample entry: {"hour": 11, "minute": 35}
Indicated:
{"hour": 8, "minute": 16}
